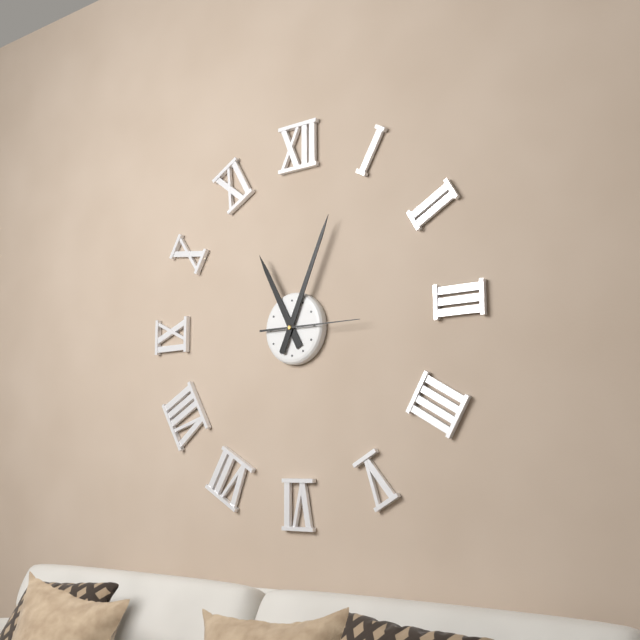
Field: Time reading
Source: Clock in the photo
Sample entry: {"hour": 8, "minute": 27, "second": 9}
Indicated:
{"hour": 11, "minute": 4, "second": 15}
